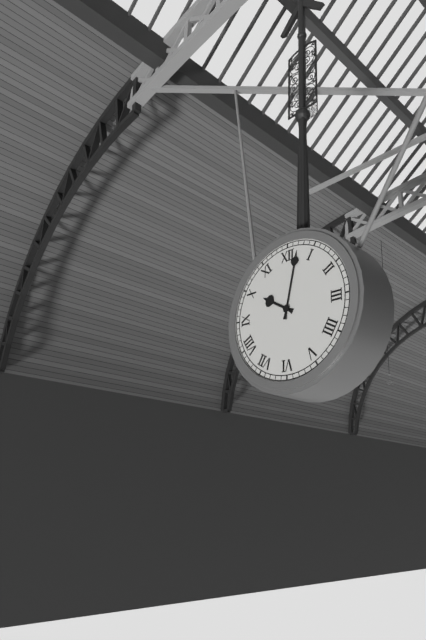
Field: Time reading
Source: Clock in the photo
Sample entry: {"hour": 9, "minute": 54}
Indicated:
{"hour": 10, "minute": 2}
